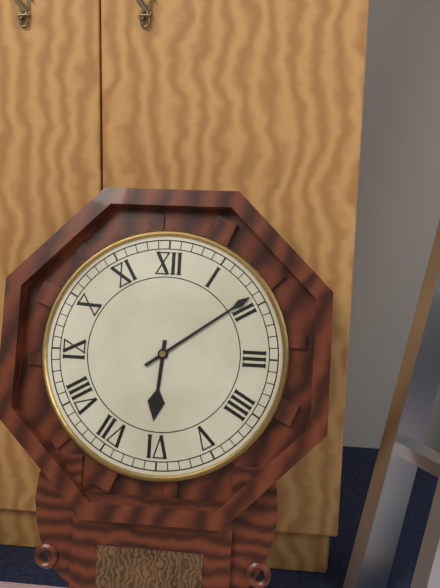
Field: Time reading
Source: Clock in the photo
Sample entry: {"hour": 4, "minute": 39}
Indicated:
{"hour": 6, "minute": 9}
